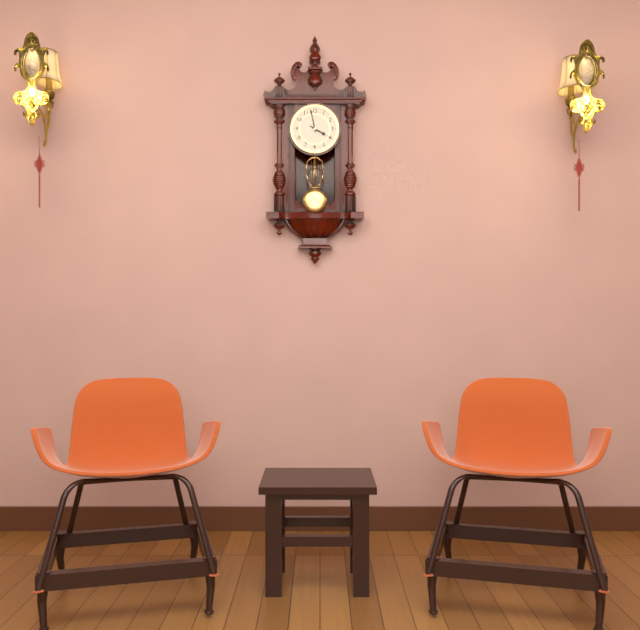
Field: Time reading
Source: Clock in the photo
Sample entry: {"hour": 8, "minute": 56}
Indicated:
{"hour": 3, "minute": 58}
